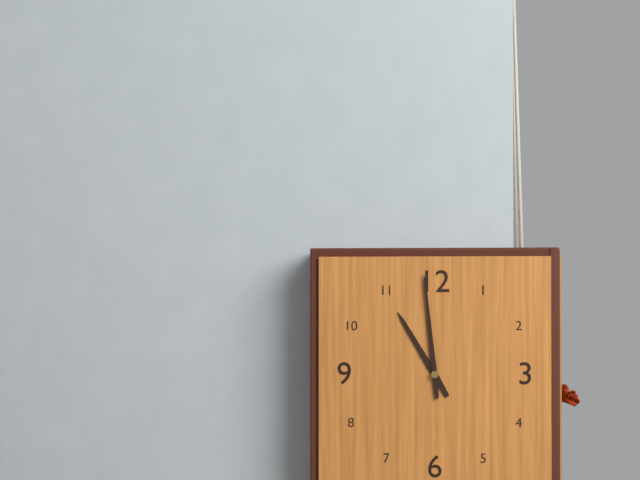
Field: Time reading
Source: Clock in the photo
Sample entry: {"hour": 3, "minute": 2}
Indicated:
{"hour": 10, "minute": 59}
